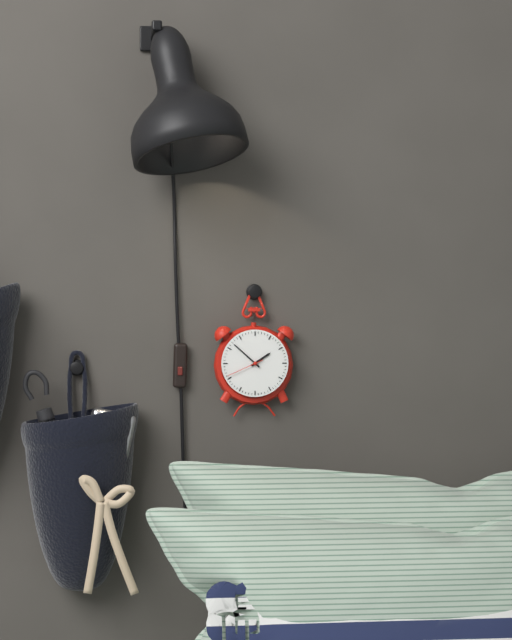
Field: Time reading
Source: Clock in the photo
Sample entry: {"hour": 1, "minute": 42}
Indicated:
{"hour": 1, "minute": 52}
